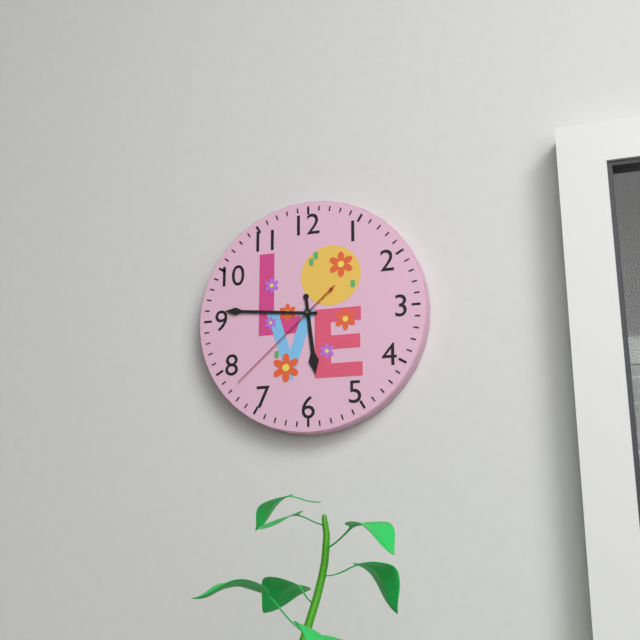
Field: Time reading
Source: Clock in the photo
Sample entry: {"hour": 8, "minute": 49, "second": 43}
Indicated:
{"hour": 5, "minute": 46, "second": 38}
